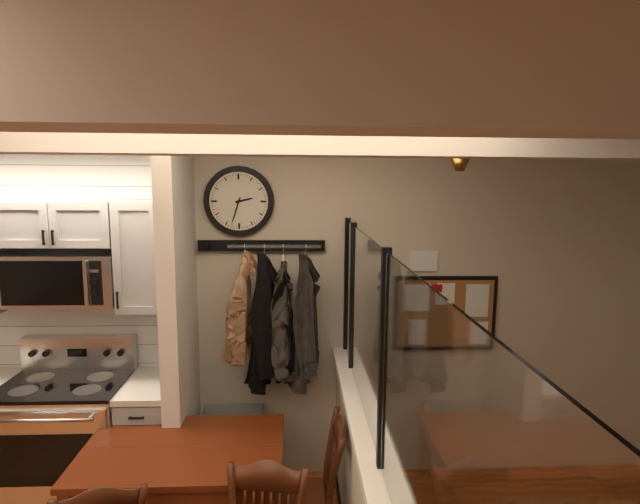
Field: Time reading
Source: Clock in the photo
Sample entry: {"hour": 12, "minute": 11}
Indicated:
{"hour": 2, "minute": 33}
